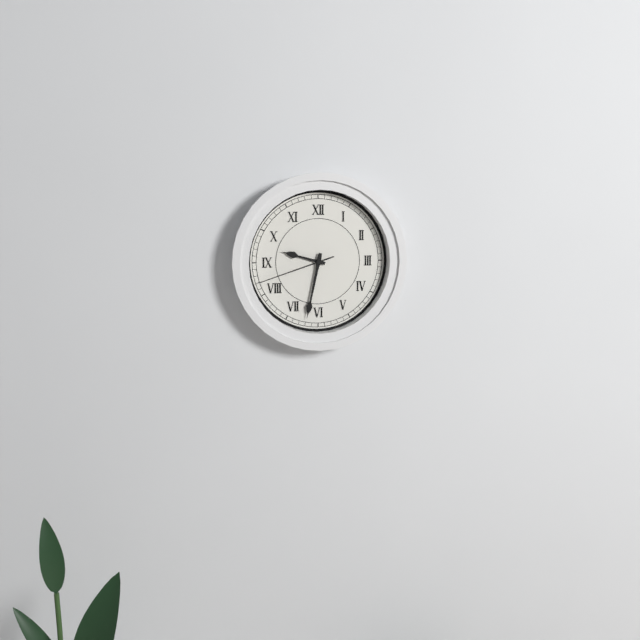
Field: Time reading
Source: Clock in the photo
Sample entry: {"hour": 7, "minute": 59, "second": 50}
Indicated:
{"hour": 9, "minute": 32, "second": 42}
